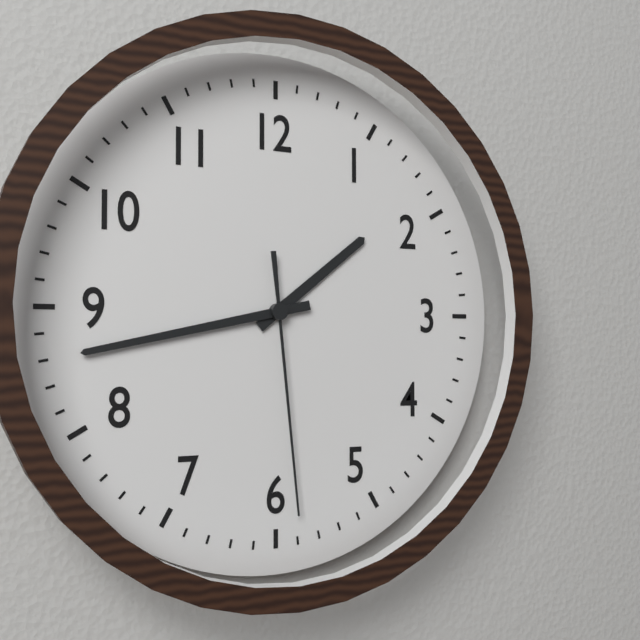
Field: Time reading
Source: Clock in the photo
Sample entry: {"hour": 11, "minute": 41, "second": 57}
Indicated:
{"hour": 1, "minute": 43, "second": 29}
